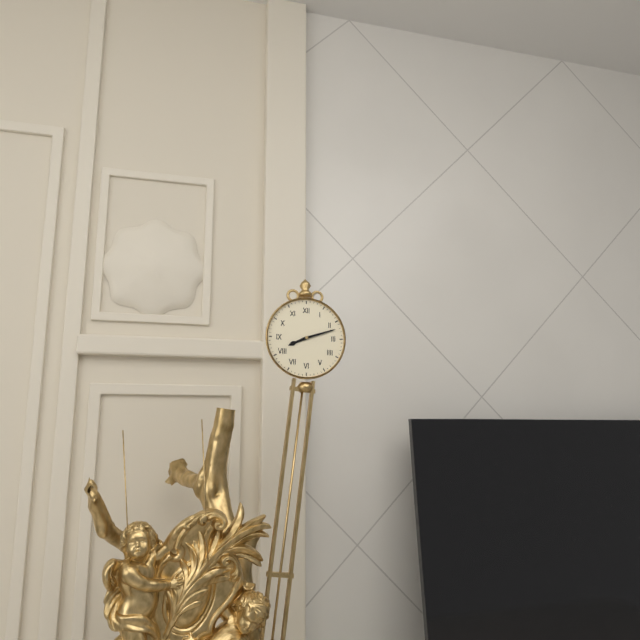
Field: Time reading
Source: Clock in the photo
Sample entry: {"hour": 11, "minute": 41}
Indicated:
{"hour": 8, "minute": 12}
